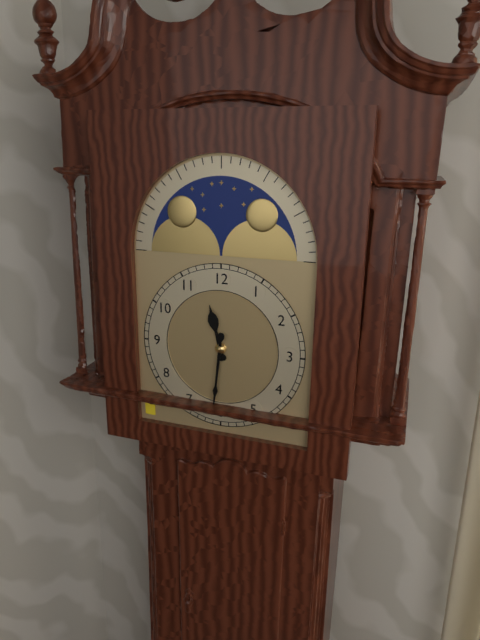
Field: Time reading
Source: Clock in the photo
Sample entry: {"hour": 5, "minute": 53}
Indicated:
{"hour": 11, "minute": 31}
